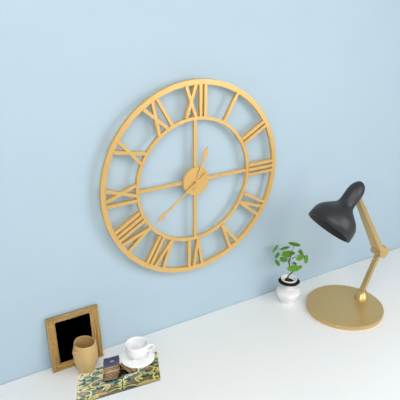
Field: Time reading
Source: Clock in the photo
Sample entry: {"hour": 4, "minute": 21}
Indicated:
{"hour": 12, "minute": 39}
